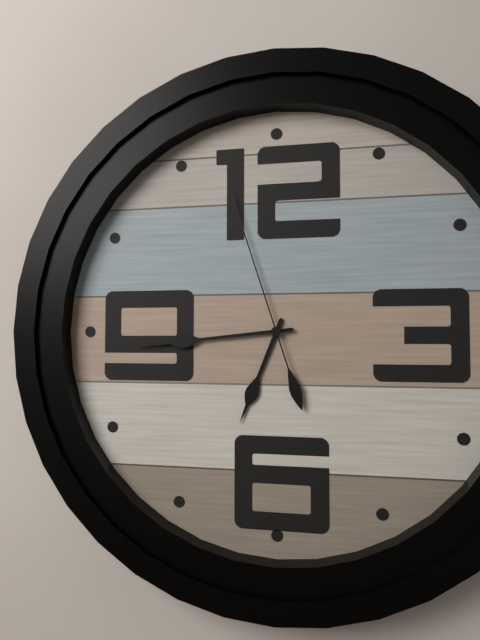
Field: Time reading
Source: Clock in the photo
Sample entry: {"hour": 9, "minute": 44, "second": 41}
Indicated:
{"hour": 6, "minute": 44, "second": 57}
